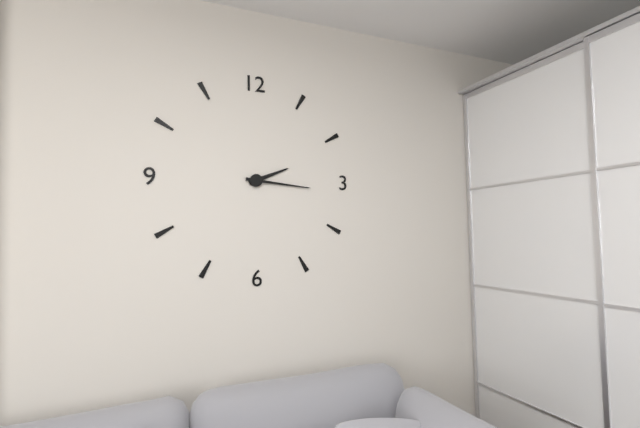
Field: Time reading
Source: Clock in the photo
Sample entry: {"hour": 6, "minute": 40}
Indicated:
{"hour": 2, "minute": 16}
